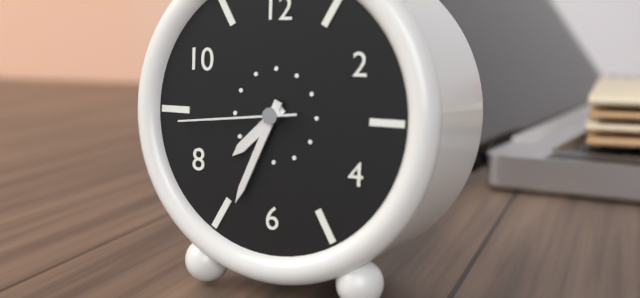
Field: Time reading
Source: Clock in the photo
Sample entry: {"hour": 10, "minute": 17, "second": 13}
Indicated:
{"hour": 7, "minute": 34, "second": 44}
